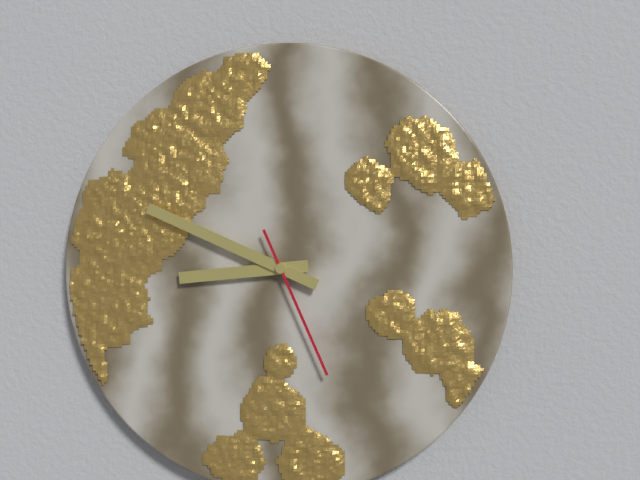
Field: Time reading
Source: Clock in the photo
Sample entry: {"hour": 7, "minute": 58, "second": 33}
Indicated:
{"hour": 8, "minute": 49, "second": 26}
